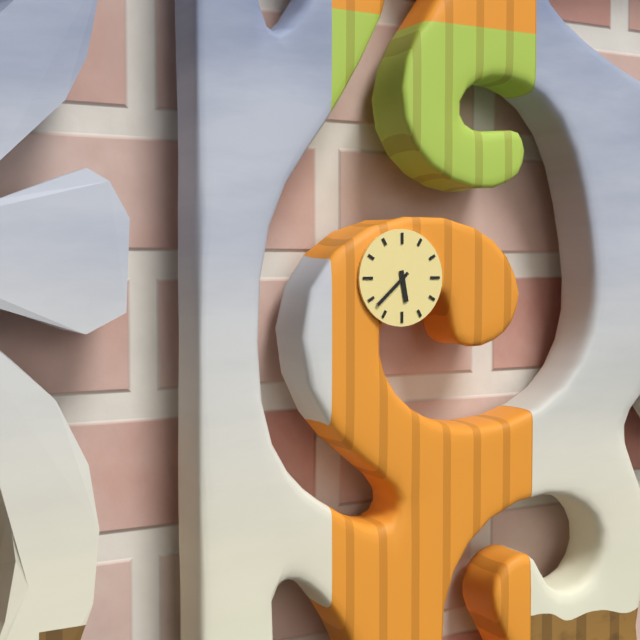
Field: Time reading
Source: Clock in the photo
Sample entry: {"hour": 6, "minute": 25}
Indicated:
{"hour": 5, "minute": 38}
